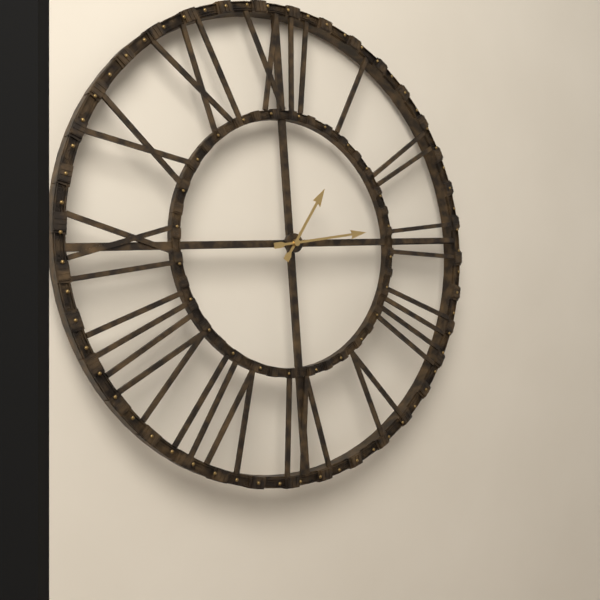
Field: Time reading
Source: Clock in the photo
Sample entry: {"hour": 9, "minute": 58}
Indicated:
{"hour": 1, "minute": 14}
